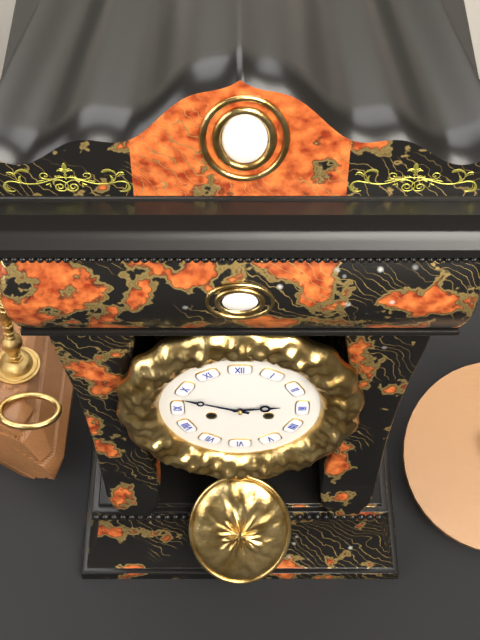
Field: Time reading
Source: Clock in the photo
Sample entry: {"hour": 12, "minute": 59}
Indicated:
{"hour": 2, "minute": 48}
